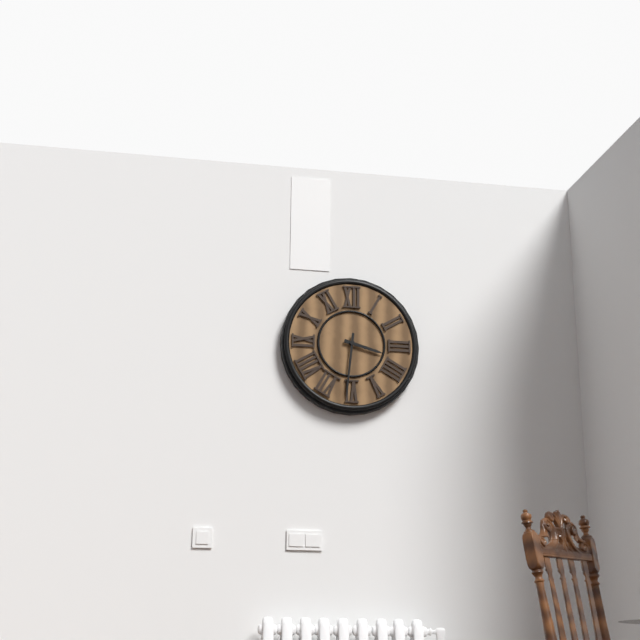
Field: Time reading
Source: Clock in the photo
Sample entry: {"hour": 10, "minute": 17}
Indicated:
{"hour": 3, "minute": 31}
